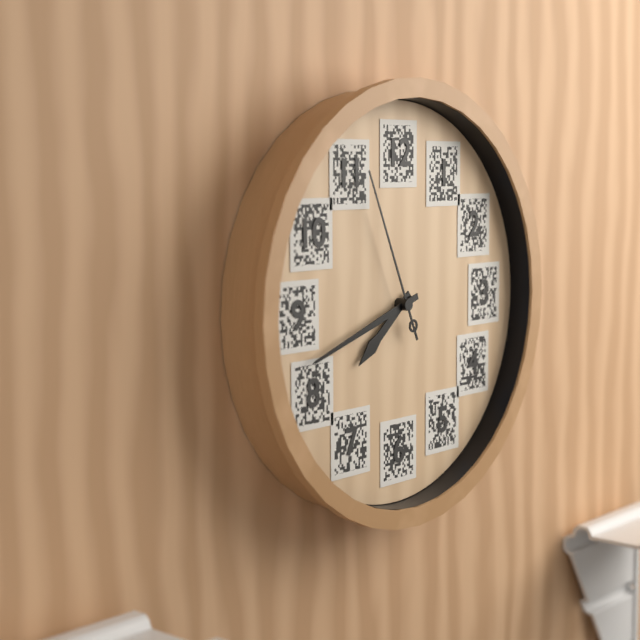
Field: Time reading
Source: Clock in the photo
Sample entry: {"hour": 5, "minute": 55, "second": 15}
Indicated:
{"hour": 7, "minute": 42, "second": 56}
